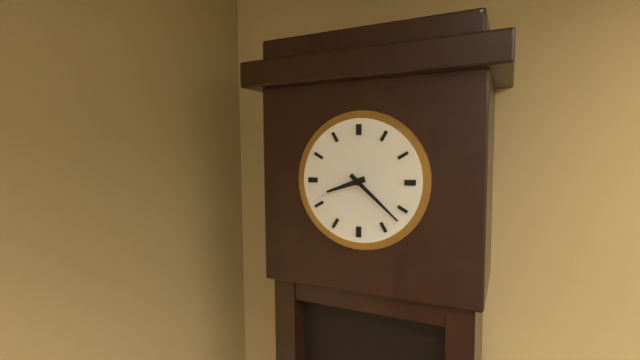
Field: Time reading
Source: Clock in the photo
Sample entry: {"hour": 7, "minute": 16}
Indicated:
{"hour": 8, "minute": 22}
